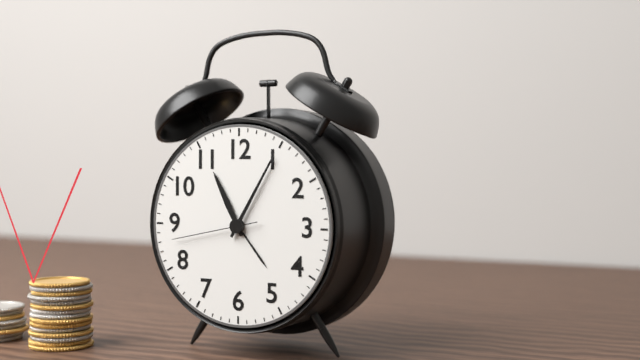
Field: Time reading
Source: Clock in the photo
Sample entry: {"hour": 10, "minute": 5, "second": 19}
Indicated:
{"hour": 11, "minute": 5, "second": 43}
